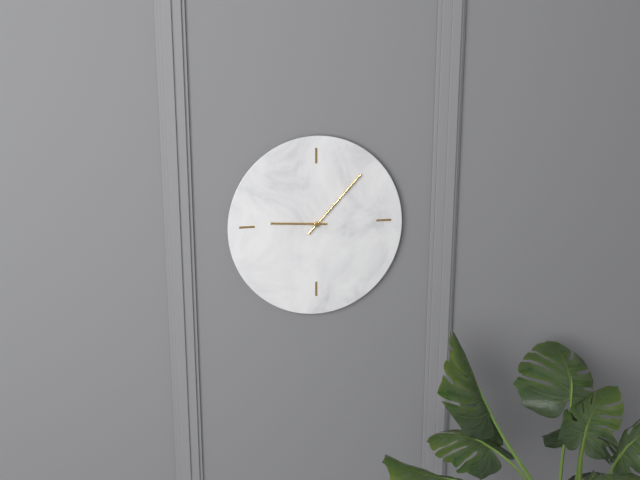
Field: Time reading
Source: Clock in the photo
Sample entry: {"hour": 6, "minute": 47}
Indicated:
{"hour": 9, "minute": 7}
